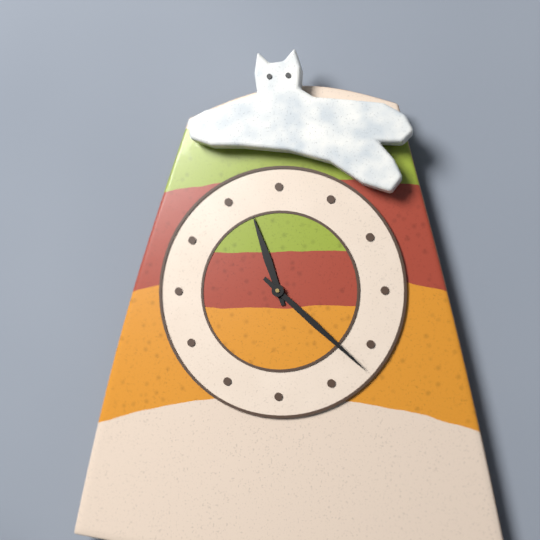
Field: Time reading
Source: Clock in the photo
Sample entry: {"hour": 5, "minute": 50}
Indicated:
{"hour": 11, "minute": 22}
